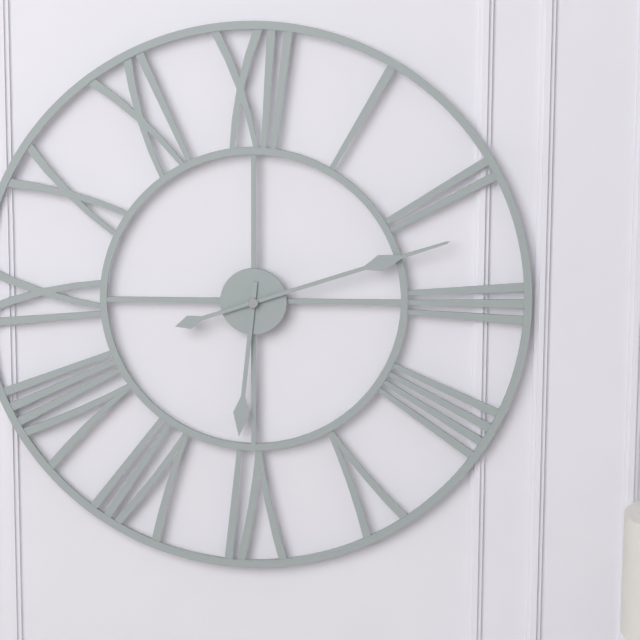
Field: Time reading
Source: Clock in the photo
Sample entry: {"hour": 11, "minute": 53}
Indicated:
{"hour": 6, "minute": 12}
